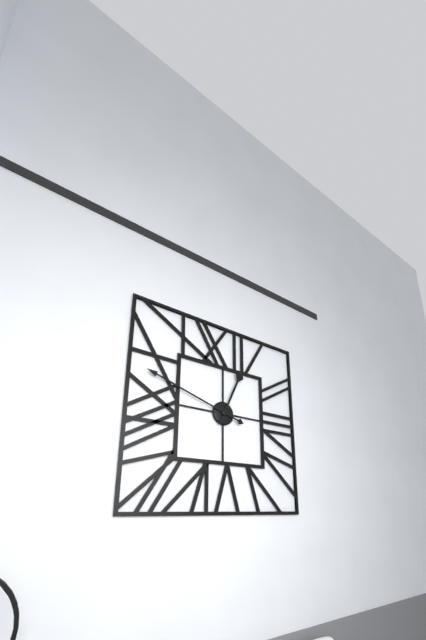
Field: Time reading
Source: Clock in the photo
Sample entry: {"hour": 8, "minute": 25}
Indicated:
{"hour": 12, "minute": 48}
